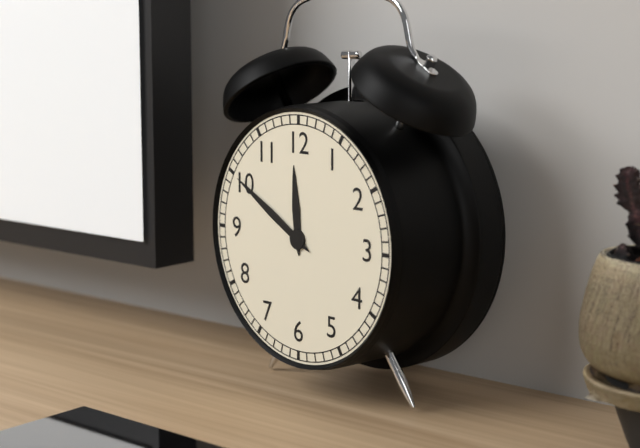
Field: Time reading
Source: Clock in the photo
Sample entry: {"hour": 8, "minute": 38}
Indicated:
{"hour": 11, "minute": 50}
